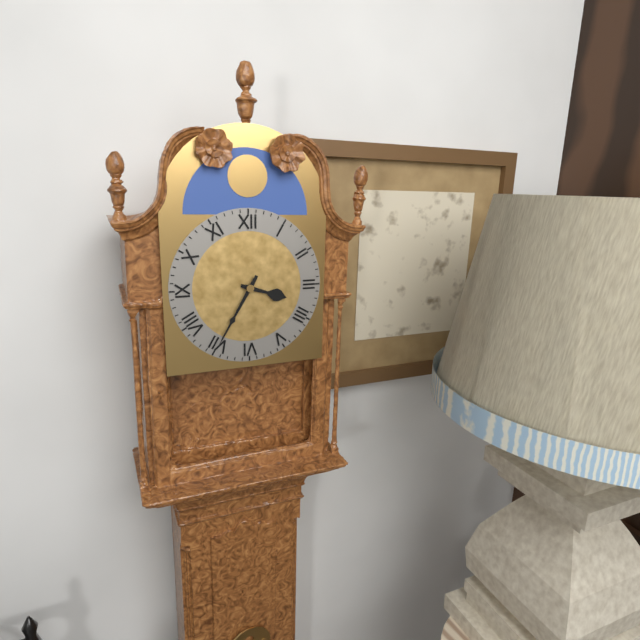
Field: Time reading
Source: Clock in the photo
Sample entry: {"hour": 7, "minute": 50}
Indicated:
{"hour": 3, "minute": 35}
